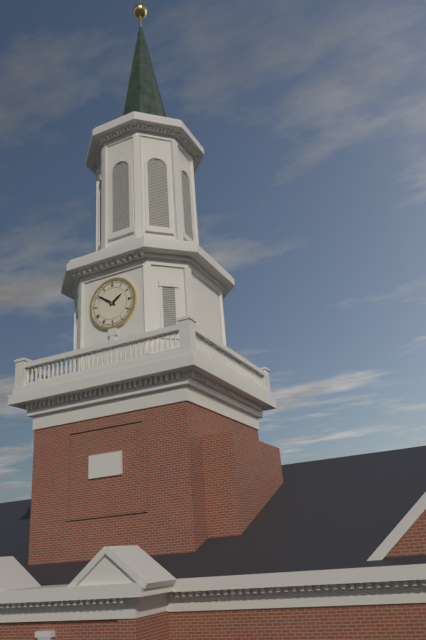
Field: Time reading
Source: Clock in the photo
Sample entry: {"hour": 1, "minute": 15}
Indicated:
{"hour": 1, "minute": 51}
